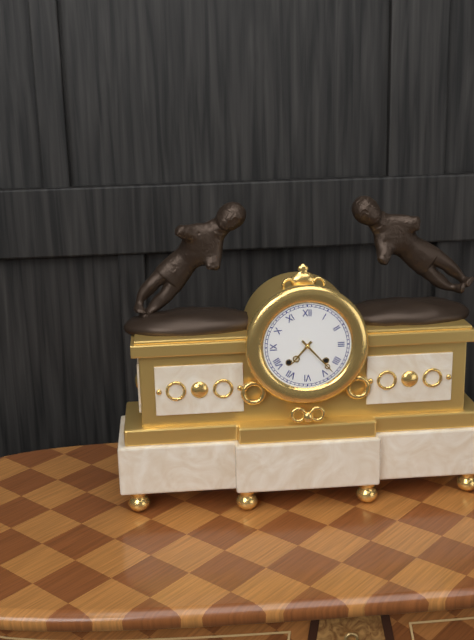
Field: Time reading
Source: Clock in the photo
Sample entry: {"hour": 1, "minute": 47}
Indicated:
{"hour": 7, "minute": 23}
